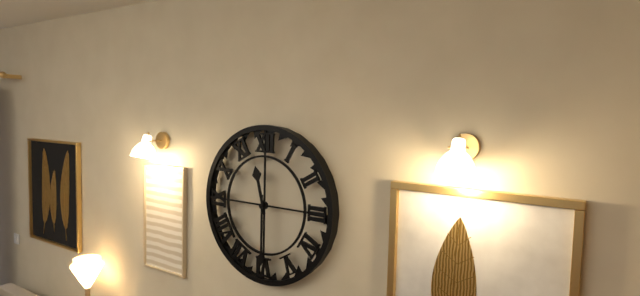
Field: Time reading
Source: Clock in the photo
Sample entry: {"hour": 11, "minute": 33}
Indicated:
{"hour": 11, "minute": 30}
